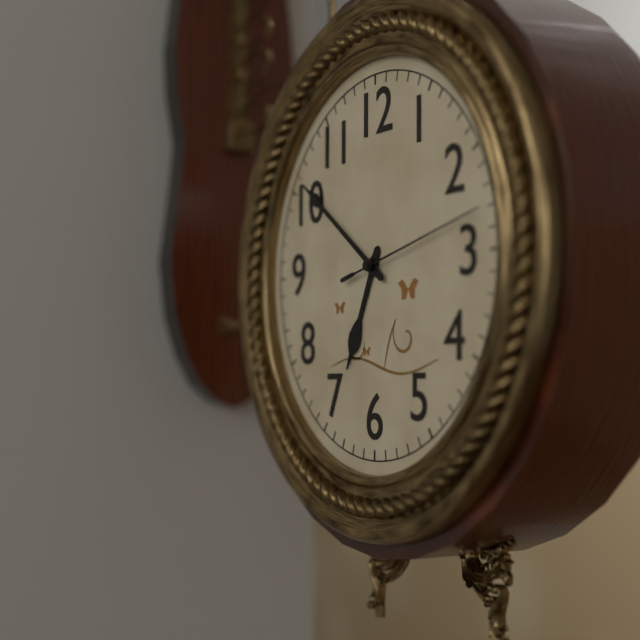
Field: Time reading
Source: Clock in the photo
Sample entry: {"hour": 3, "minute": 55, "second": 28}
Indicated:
{"hour": 6, "minute": 51, "second": 13}
